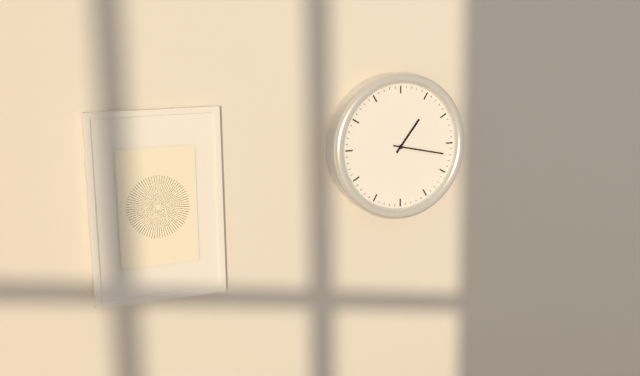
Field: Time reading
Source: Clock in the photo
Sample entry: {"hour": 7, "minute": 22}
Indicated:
{"hour": 1, "minute": 17}
